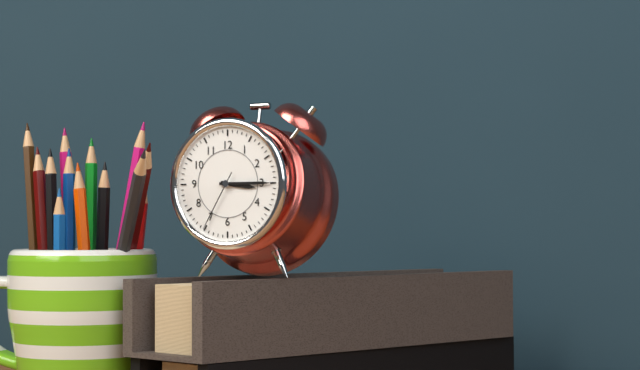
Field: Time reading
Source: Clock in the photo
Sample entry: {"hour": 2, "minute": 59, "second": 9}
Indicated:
{"hour": 3, "minute": 15, "second": 35}
